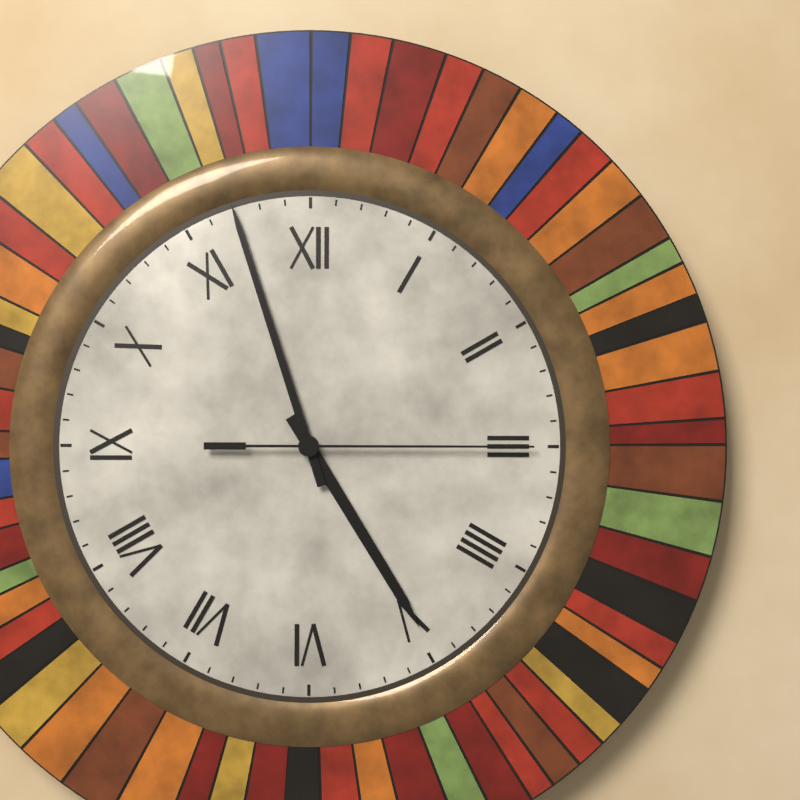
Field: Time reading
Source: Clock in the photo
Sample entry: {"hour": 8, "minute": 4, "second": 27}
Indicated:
{"hour": 4, "minute": 57, "second": 15}
